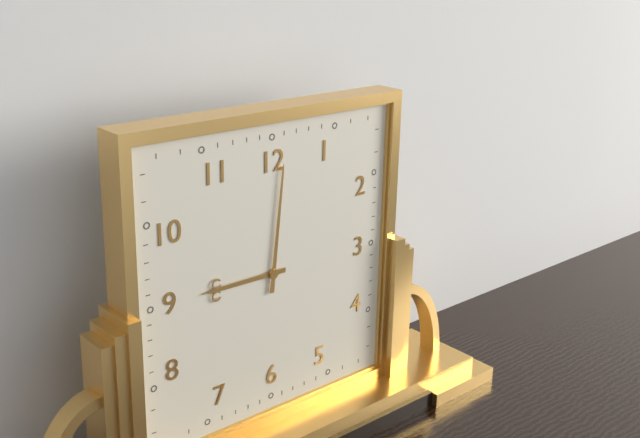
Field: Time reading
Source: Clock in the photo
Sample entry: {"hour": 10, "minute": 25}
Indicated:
{"hour": 9, "minute": 1}
